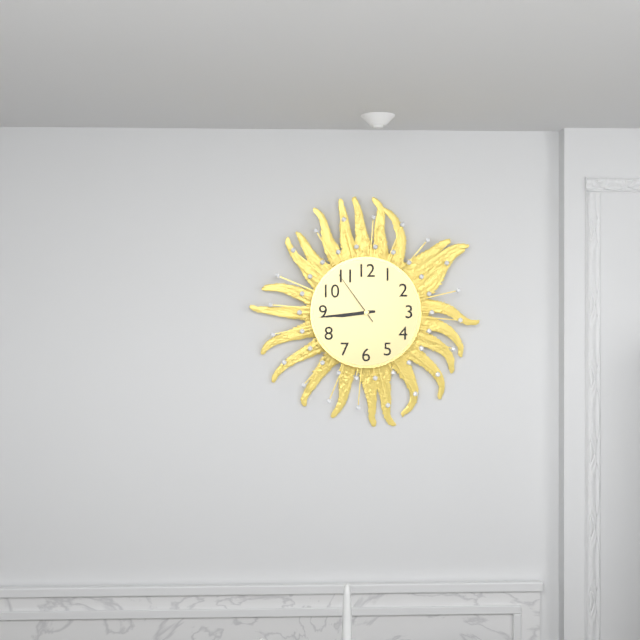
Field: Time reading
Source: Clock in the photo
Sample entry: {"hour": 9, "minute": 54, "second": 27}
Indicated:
{"hour": 8, "minute": 44, "second": 54}
